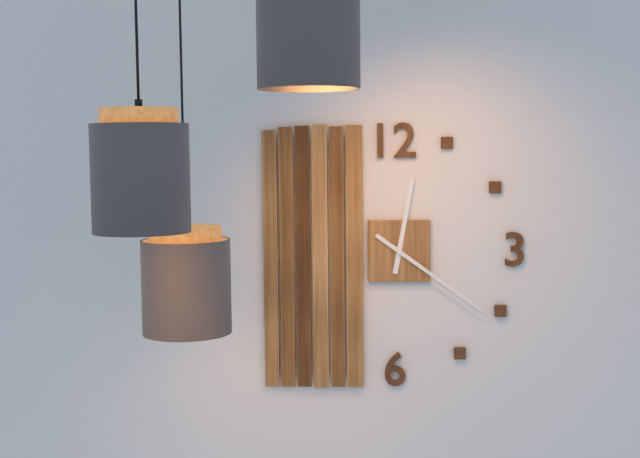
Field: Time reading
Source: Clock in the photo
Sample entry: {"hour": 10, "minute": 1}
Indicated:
{"hour": 12, "minute": 21}
